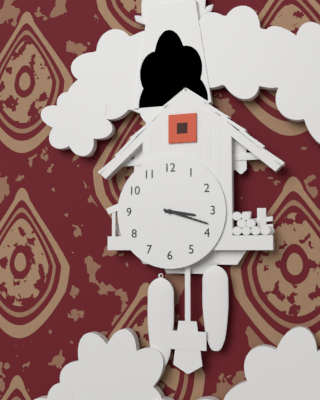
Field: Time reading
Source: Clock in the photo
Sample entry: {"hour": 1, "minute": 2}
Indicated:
{"hour": 3, "minute": 18}
